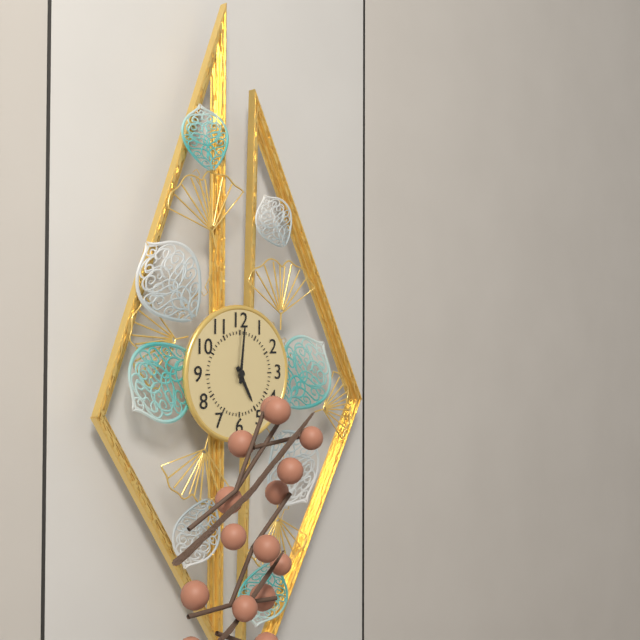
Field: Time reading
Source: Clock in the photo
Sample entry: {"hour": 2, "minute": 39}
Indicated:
{"hour": 5, "minute": 1}
